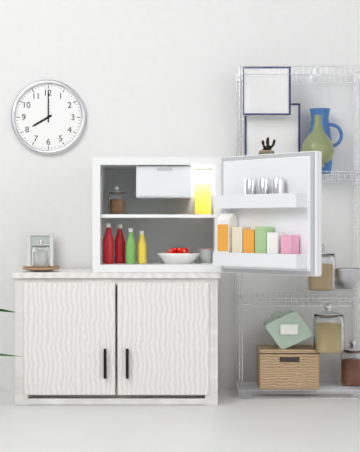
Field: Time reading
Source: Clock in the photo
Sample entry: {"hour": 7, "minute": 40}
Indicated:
{"hour": 8, "minute": 0}
